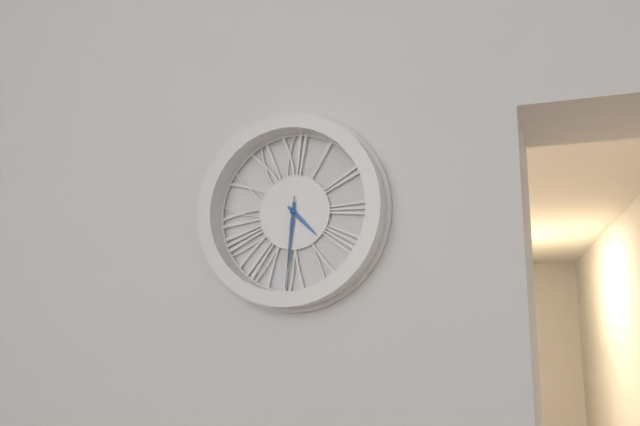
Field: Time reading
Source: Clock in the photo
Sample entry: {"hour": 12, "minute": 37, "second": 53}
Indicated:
{"hour": 4, "minute": 31, "second": 31}
